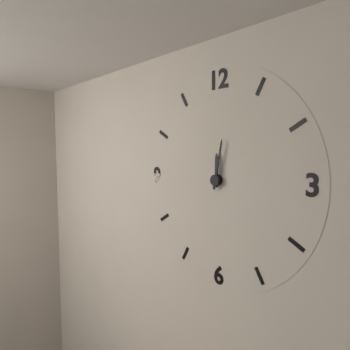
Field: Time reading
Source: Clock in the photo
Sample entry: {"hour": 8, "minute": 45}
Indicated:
{"hour": 12, "minute": 2}
